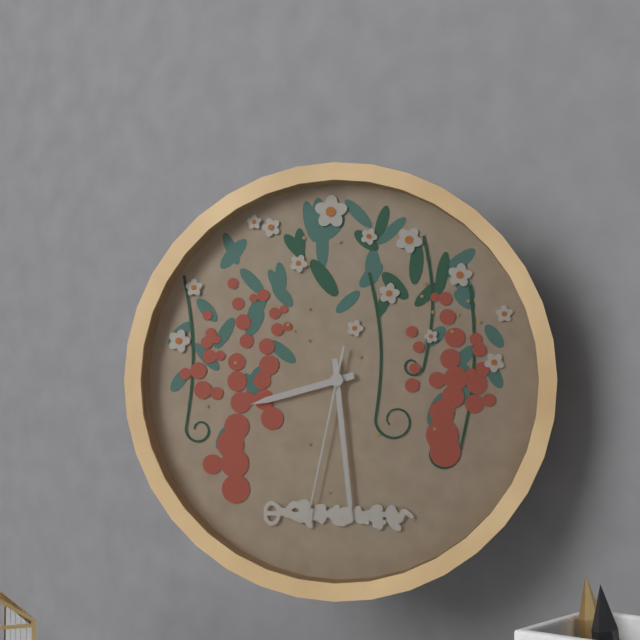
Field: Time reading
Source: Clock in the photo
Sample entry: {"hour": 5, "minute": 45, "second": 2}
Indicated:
{"hour": 8, "minute": 29, "second": 32}
